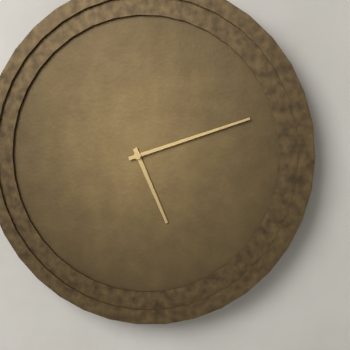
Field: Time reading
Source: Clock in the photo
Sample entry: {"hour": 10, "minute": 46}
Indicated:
{"hour": 5, "minute": 12}
